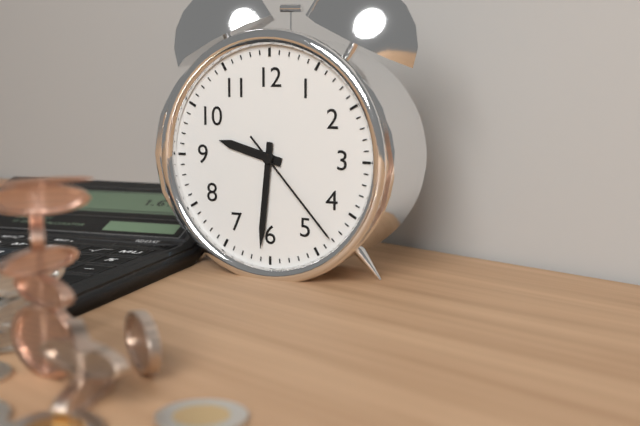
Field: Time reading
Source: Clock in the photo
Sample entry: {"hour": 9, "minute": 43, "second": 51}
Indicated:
{"hour": 9, "minute": 31, "second": 23}
